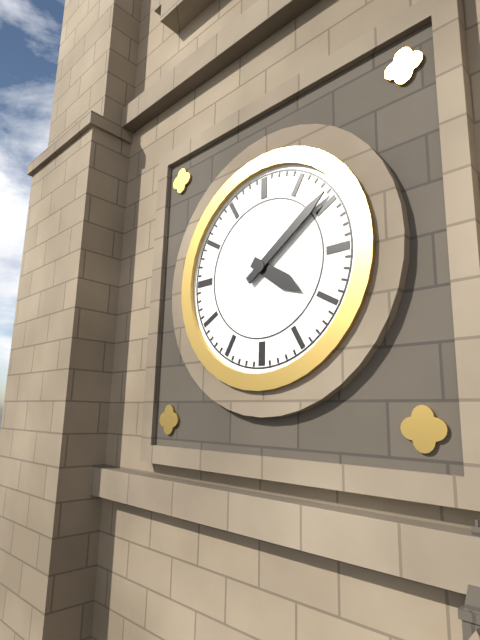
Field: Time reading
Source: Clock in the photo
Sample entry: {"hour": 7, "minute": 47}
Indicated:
{"hour": 4, "minute": 9}
